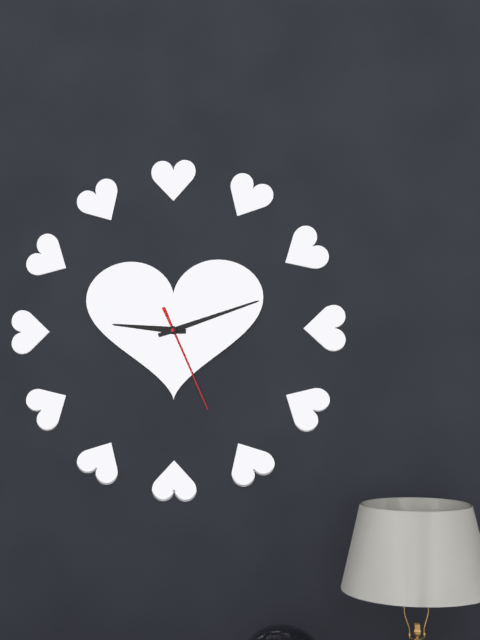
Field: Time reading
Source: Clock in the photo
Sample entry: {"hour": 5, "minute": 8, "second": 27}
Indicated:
{"hour": 9, "minute": 12, "second": 26}
